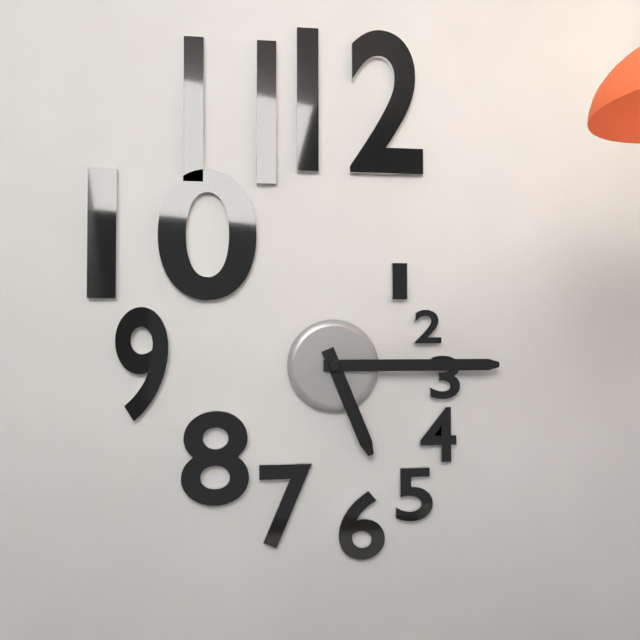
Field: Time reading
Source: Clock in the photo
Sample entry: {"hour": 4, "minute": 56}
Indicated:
{"hour": 5, "minute": 15}
